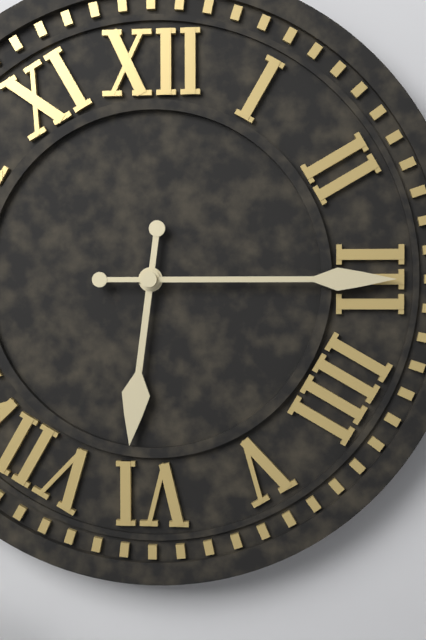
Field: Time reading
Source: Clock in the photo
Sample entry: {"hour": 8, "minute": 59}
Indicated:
{"hour": 6, "minute": 15}
